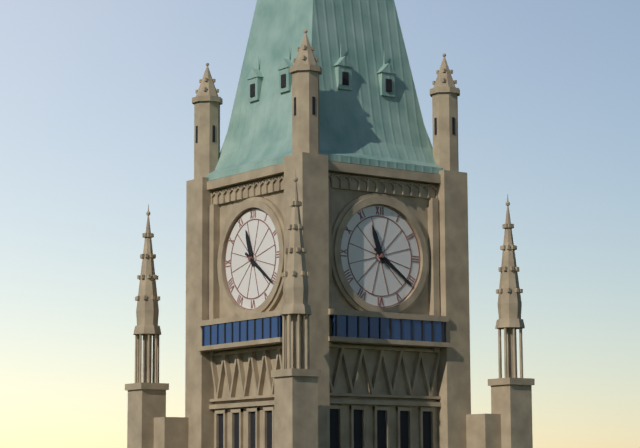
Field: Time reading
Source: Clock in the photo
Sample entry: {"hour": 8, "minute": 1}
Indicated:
{"hour": 11, "minute": 21}
